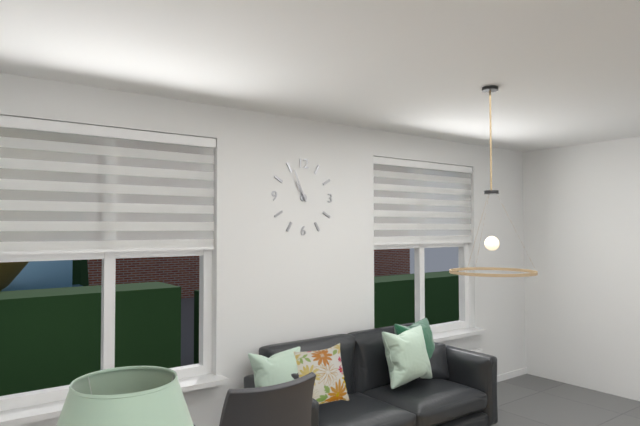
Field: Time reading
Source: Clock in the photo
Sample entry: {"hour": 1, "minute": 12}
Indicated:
{"hour": 10, "minute": 56}
